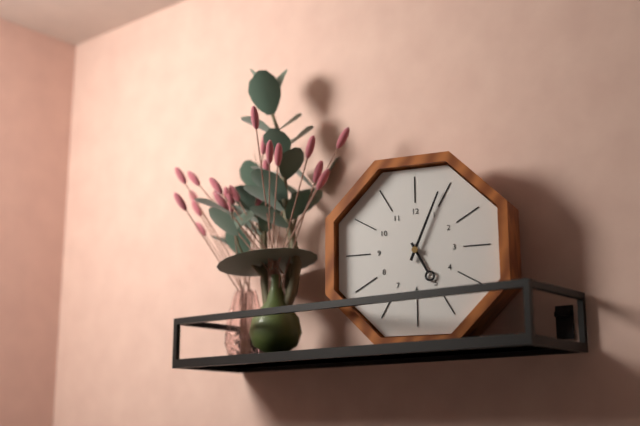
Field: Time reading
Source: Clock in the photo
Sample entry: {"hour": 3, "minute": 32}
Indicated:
{"hour": 5, "minute": 4}
